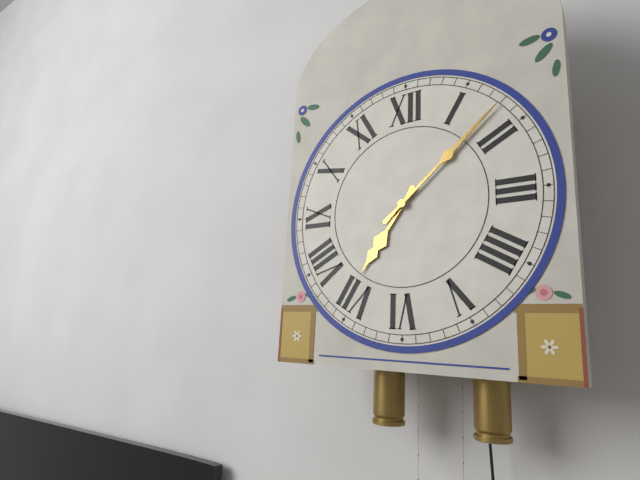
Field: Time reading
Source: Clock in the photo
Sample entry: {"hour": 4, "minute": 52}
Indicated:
{"hour": 7, "minute": 8}
